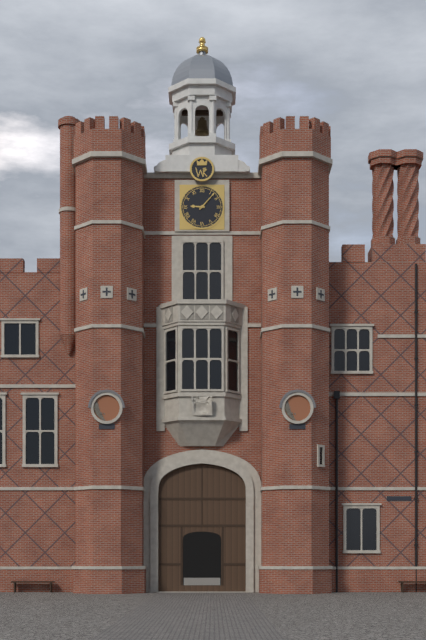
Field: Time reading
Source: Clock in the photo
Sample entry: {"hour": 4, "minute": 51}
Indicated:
{"hour": 9, "minute": 7}
